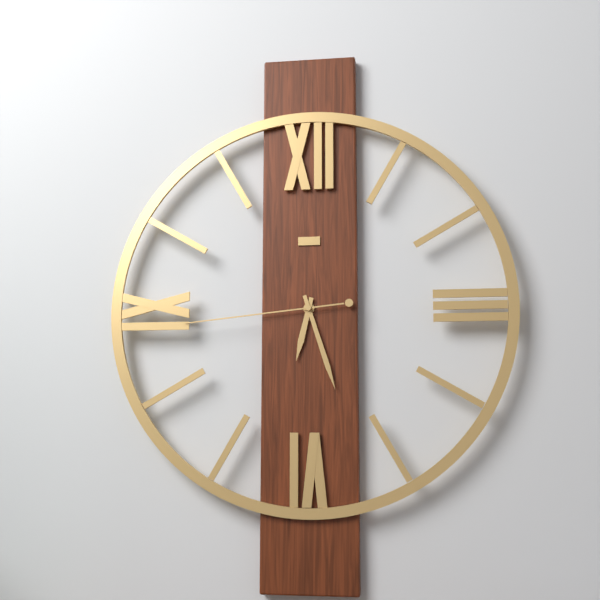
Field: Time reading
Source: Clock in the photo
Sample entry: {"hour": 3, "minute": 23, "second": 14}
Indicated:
{"hour": 6, "minute": 27, "second": 44}
